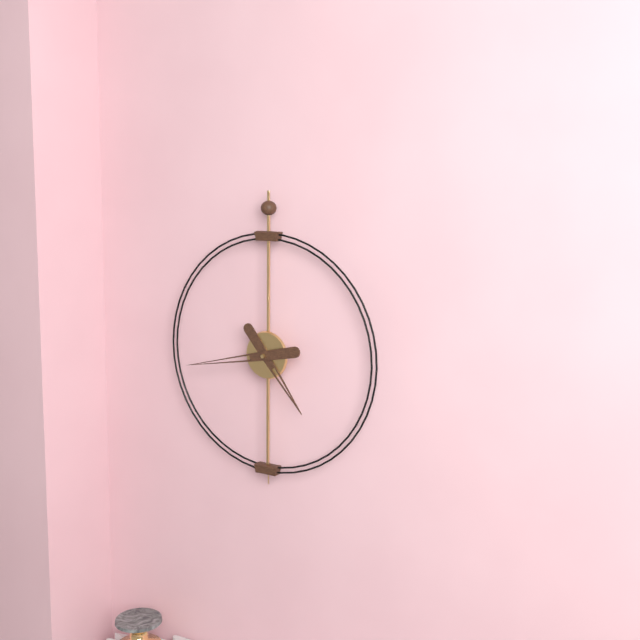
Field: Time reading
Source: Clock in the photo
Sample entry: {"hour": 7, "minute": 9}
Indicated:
{"hour": 4, "minute": 43}
